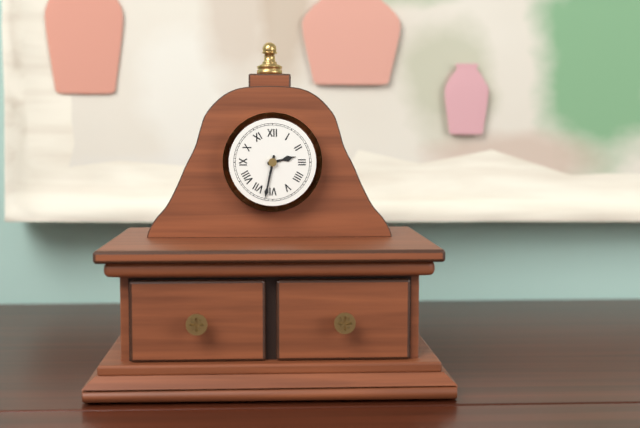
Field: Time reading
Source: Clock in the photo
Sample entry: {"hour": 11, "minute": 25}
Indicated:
{"hour": 2, "minute": 32}
